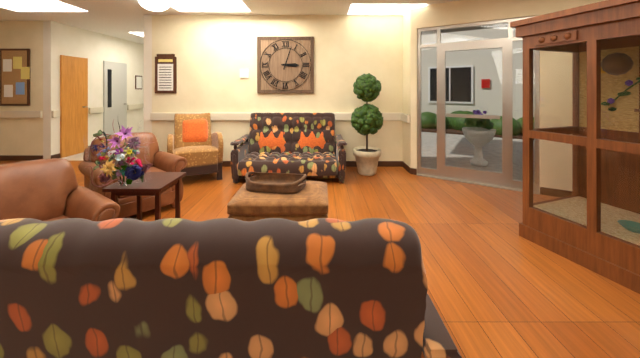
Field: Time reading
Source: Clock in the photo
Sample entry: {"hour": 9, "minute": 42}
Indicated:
{"hour": 3, "minute": 3}
